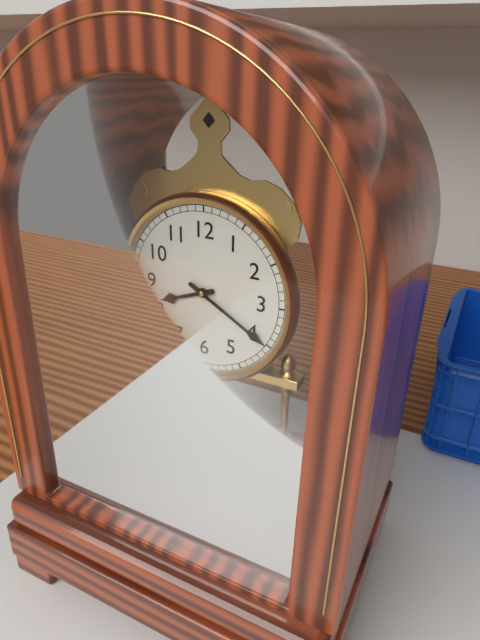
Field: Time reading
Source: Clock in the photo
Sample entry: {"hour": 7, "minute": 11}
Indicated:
{"hour": 8, "minute": 20}
